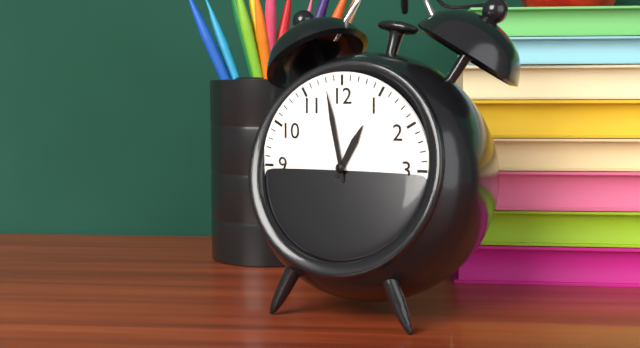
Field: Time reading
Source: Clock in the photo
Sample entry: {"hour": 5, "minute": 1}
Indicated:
{"hour": 12, "minute": 58}
